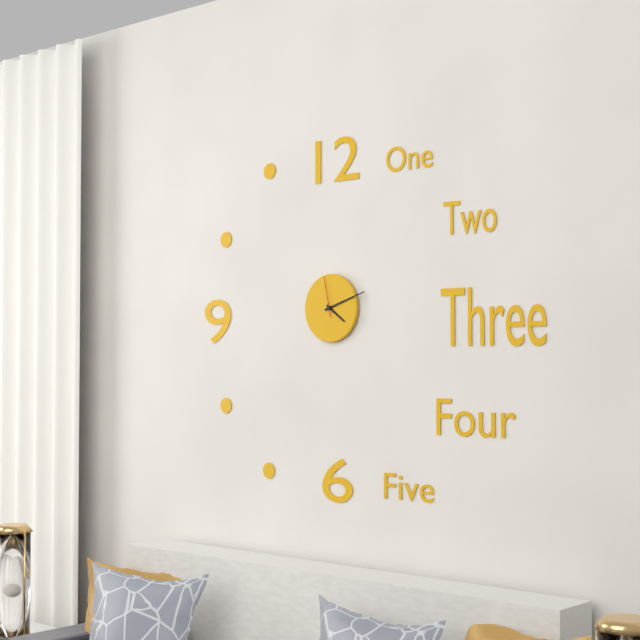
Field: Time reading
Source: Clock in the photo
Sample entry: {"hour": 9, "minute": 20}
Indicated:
{"hour": 4, "minute": 12}
